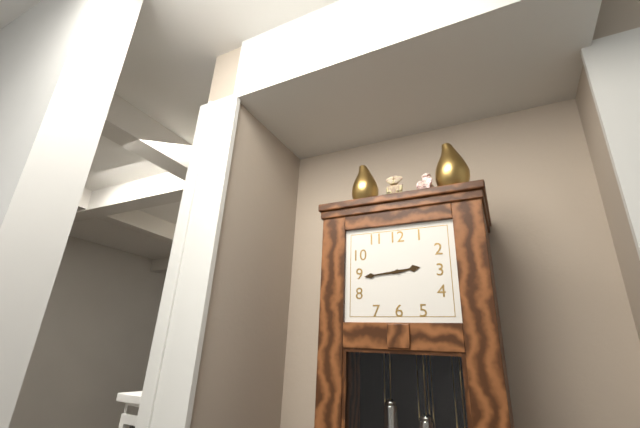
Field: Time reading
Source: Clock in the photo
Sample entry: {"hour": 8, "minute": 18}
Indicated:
{"hour": 2, "minute": 44}
